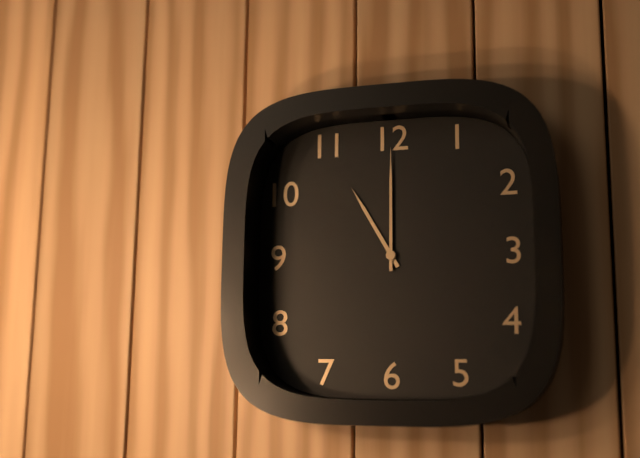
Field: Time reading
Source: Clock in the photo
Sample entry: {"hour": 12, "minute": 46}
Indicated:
{"hour": 11, "minute": 0}
